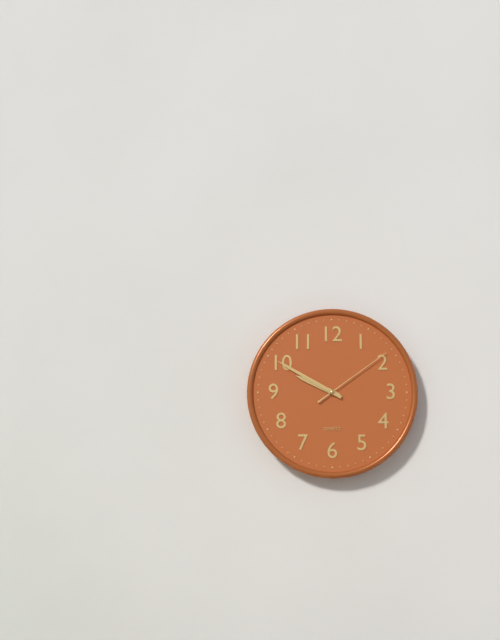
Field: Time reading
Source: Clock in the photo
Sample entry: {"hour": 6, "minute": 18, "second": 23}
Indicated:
{"hour": 9, "minute": 50, "second": 9}
